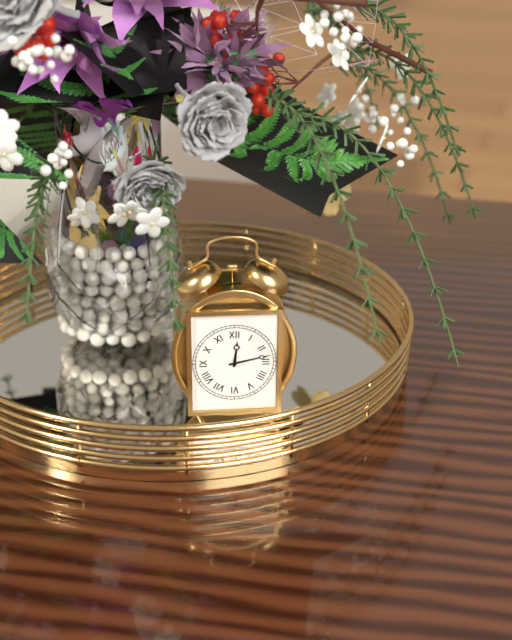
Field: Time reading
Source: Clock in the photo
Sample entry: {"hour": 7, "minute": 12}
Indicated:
{"hour": 12, "minute": 13}
